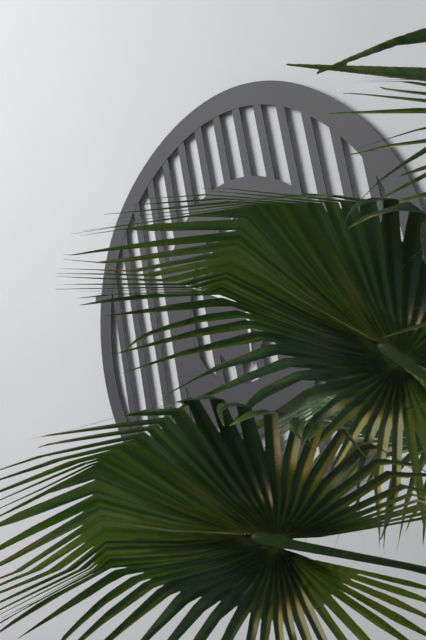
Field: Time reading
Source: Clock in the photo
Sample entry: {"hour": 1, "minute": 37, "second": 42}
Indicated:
{"hour": 5, "minute": 48, "second": 58}
